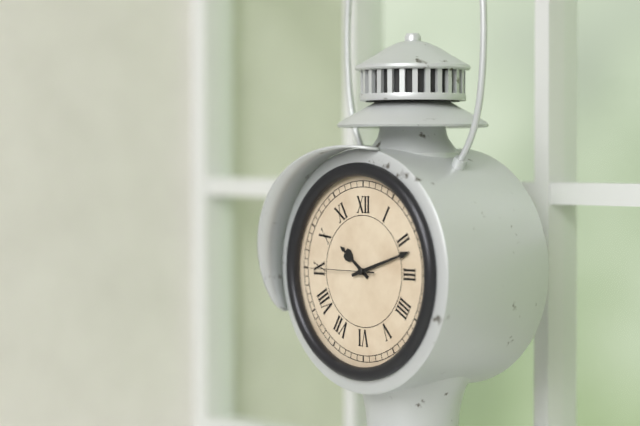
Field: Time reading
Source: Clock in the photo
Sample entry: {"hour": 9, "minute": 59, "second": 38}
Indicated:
{"hour": 10, "minute": 12, "second": 45}
